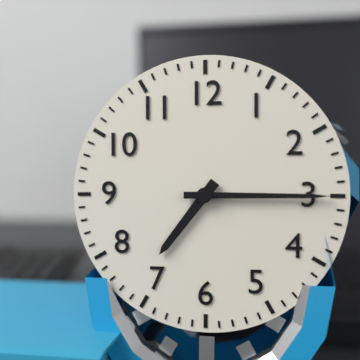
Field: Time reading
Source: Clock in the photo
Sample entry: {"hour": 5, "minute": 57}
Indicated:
{"hour": 7, "minute": 15}
